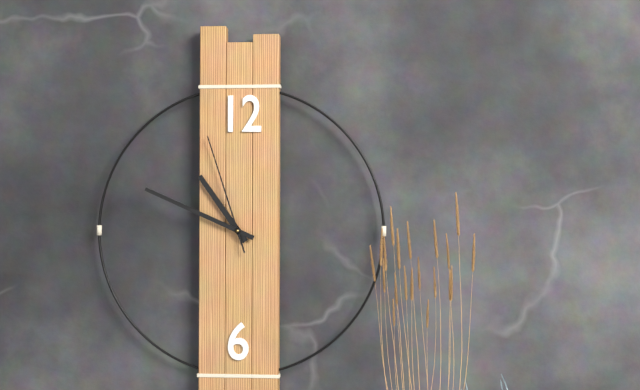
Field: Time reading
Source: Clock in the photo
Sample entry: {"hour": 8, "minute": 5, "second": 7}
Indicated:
{"hour": 10, "minute": 49, "second": 57}
